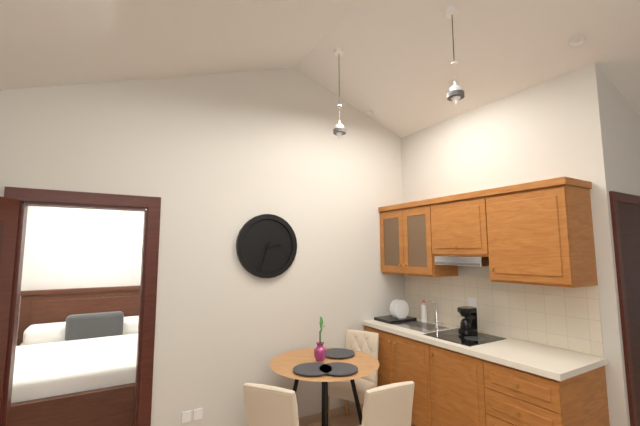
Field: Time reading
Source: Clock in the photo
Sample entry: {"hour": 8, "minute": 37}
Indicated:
{"hour": 2, "minute": 33}
